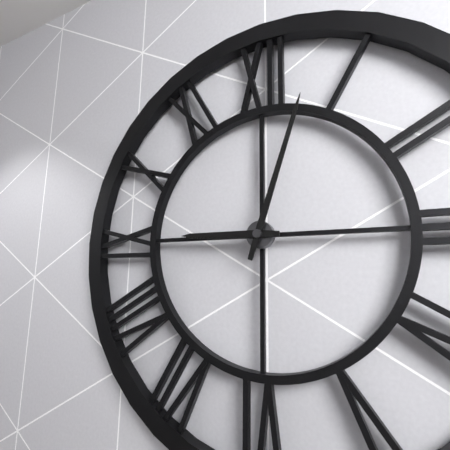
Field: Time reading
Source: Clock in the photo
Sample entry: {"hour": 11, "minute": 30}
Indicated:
{"hour": 9, "minute": 3}
